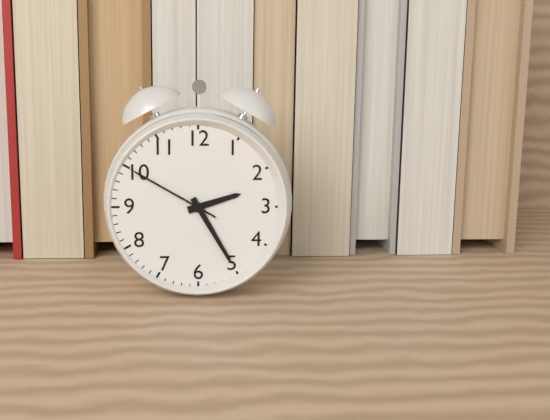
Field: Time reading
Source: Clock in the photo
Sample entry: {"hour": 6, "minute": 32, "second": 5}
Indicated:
{"hour": 2, "minute": 25, "second": 50}
